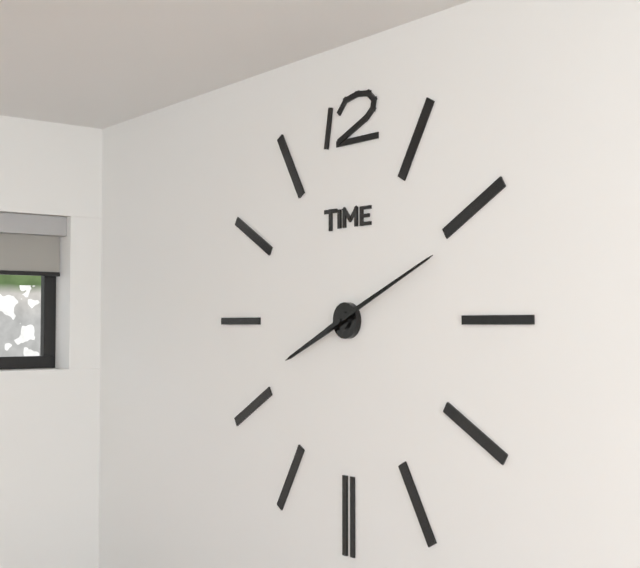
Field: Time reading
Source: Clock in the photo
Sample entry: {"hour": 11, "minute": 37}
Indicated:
{"hour": 8, "minute": 11}
